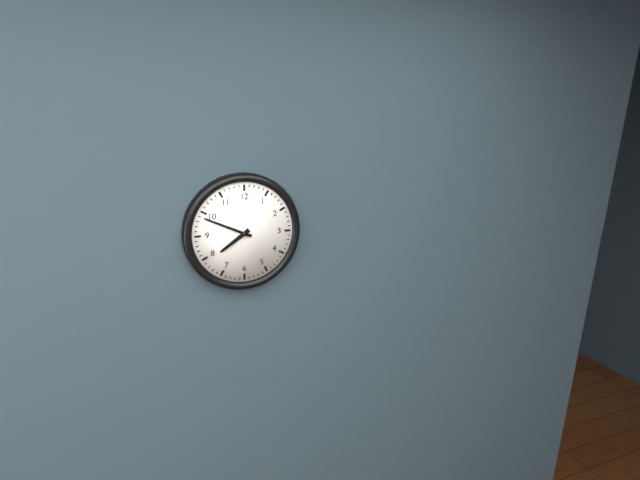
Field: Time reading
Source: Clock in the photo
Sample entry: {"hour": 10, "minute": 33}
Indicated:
{"hour": 7, "minute": 49}
